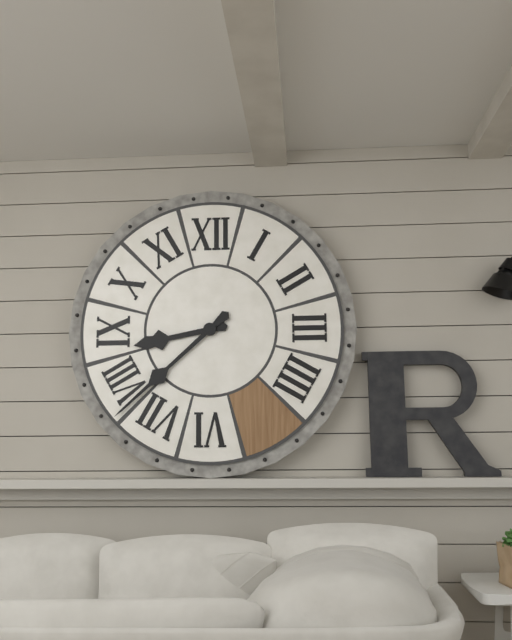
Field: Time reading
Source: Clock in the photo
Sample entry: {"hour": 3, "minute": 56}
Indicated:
{"hour": 8, "minute": 38}
